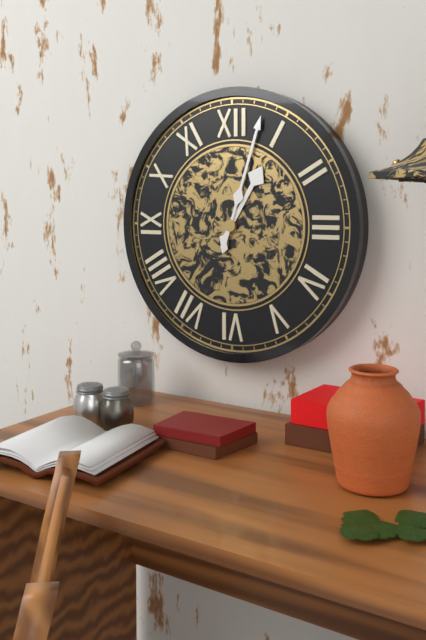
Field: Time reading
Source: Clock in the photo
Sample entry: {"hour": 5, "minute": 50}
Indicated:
{"hour": 1, "minute": 3}
